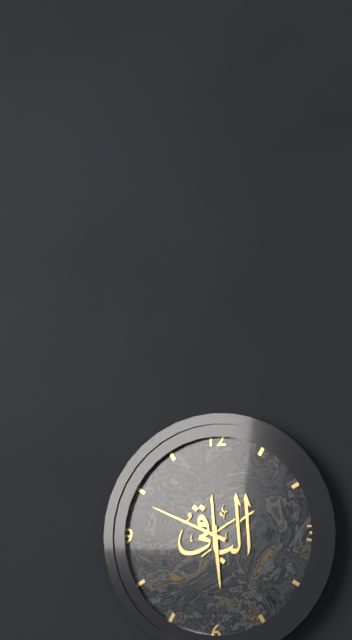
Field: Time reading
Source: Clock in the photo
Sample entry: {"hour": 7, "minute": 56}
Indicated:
{"hour": 5, "minute": 49}
